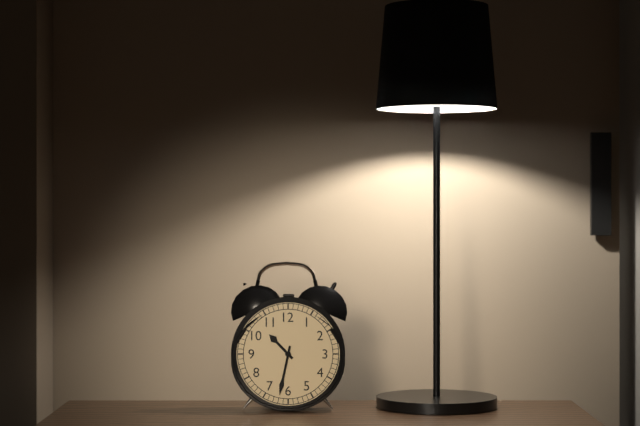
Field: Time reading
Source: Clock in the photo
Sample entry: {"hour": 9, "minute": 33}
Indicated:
{"hour": 10, "minute": 32}
